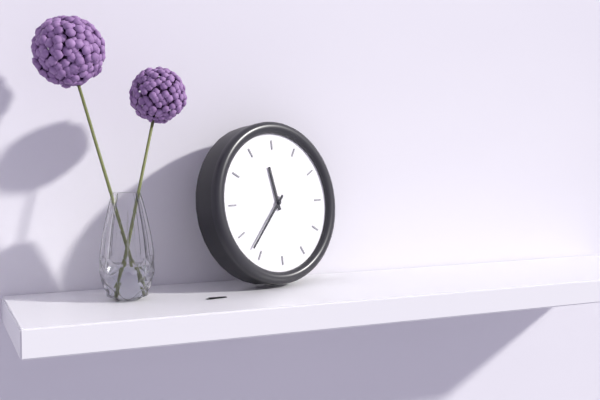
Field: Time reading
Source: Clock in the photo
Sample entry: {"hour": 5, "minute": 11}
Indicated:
{"hour": 11, "minute": 37}
